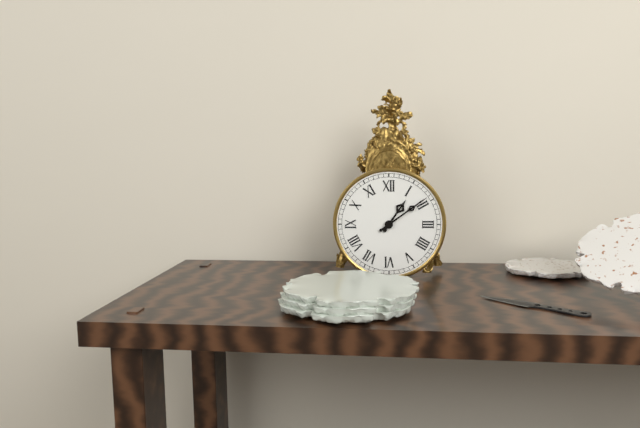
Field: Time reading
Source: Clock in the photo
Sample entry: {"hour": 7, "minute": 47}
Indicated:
{"hour": 1, "minute": 9}
